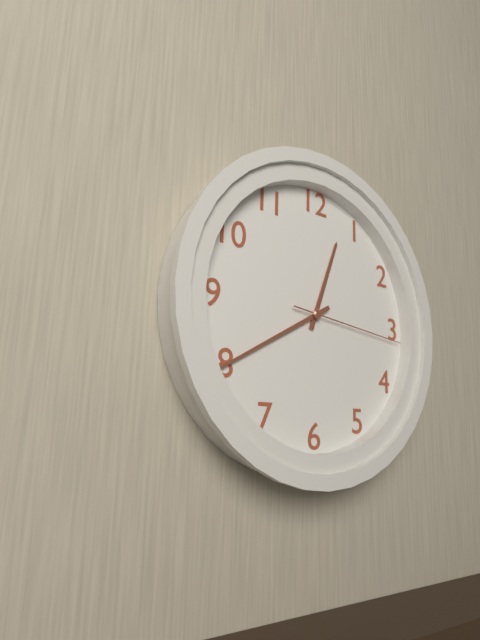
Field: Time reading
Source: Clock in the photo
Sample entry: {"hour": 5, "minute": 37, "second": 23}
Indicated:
{"hour": 12, "minute": 40, "second": 16}
